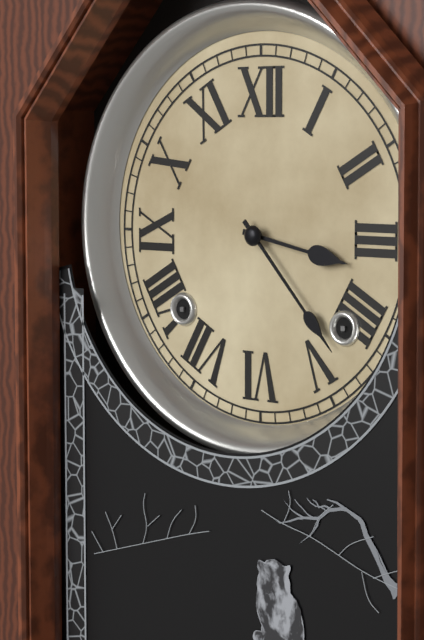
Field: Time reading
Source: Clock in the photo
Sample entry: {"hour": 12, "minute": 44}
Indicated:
{"hour": 3, "minute": 23}
